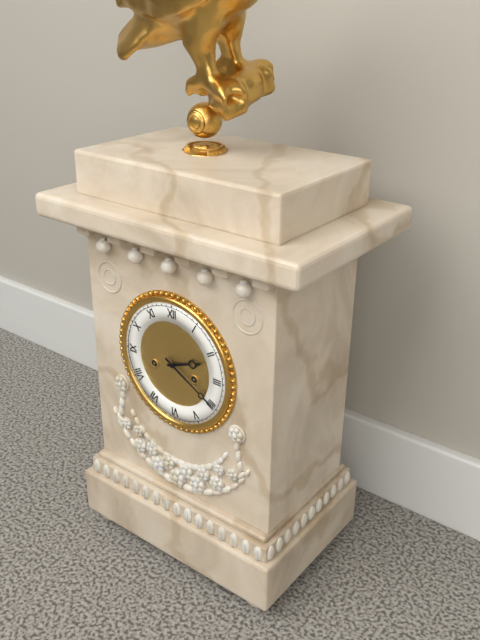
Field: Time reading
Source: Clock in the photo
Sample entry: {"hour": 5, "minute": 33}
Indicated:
{"hour": 2, "minute": 20}
